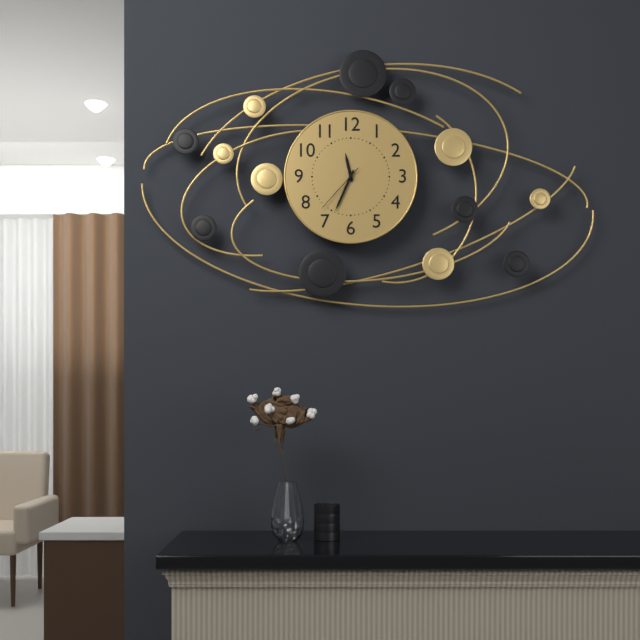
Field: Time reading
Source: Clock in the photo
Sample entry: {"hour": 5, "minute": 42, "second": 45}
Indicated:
{"hour": 11, "minute": 34, "second": 37}
